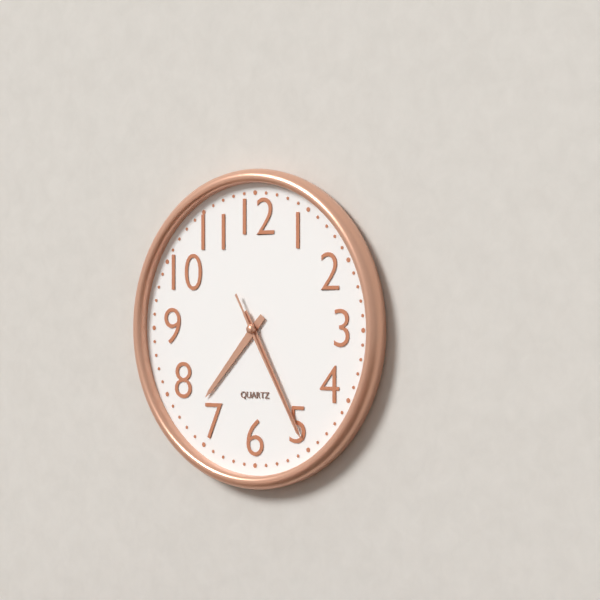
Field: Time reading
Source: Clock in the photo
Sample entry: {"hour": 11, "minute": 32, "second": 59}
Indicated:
{"hour": 7, "minute": 25, "second": 25}
